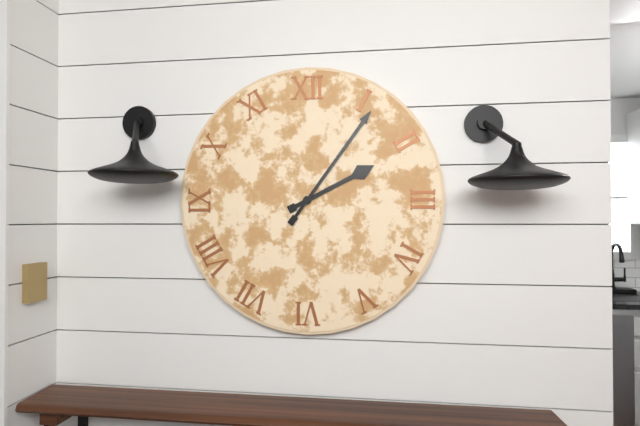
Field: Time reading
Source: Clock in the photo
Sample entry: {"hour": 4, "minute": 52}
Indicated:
{"hour": 2, "minute": 6}
